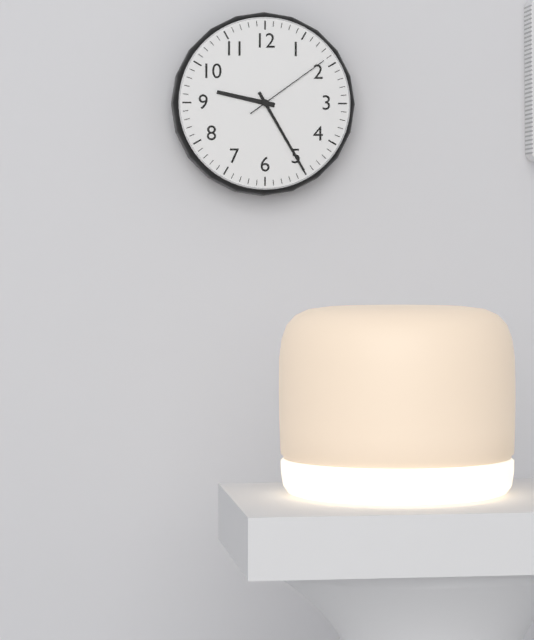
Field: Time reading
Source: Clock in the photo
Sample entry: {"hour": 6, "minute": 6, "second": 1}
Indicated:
{"hour": 9, "minute": 25, "second": 9}
